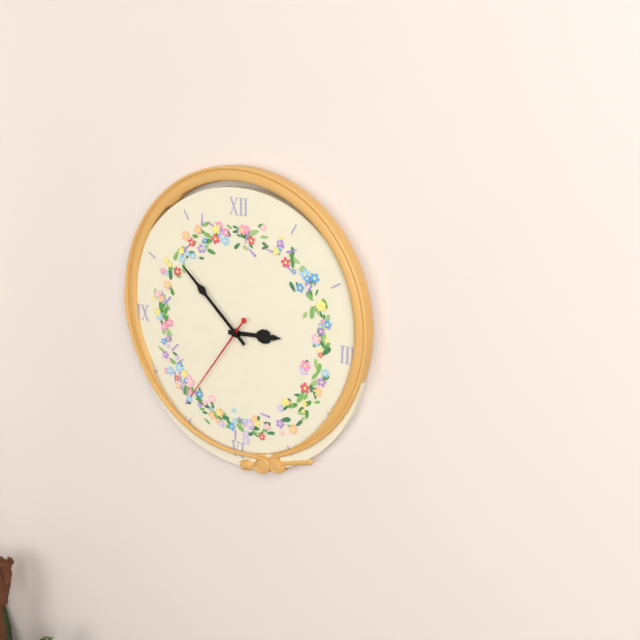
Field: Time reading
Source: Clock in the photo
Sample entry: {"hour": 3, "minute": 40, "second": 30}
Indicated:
{"hour": 2, "minute": 52, "second": 36}
